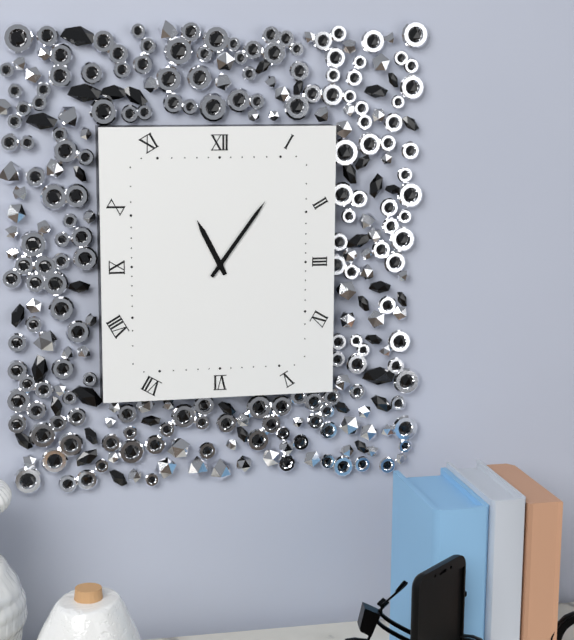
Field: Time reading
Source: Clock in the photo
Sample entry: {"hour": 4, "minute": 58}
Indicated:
{"hour": 11, "minute": 6}
